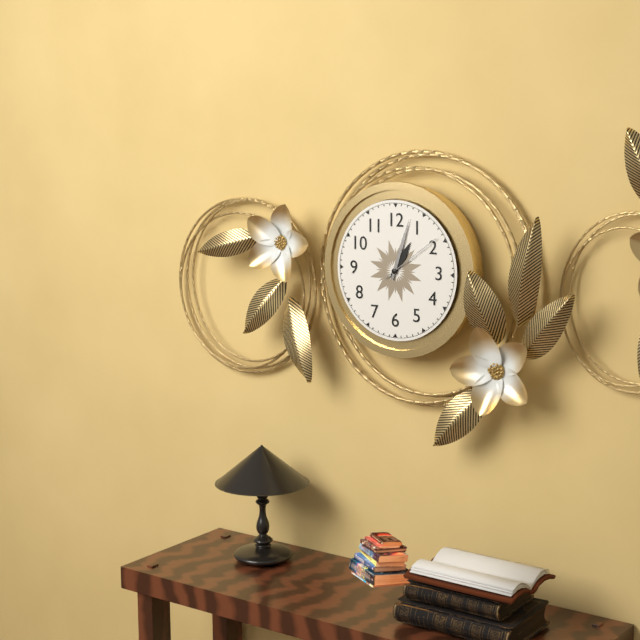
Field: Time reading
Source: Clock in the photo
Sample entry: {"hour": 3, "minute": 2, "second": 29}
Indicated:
{"hour": 1, "minute": 3, "second": 9}
